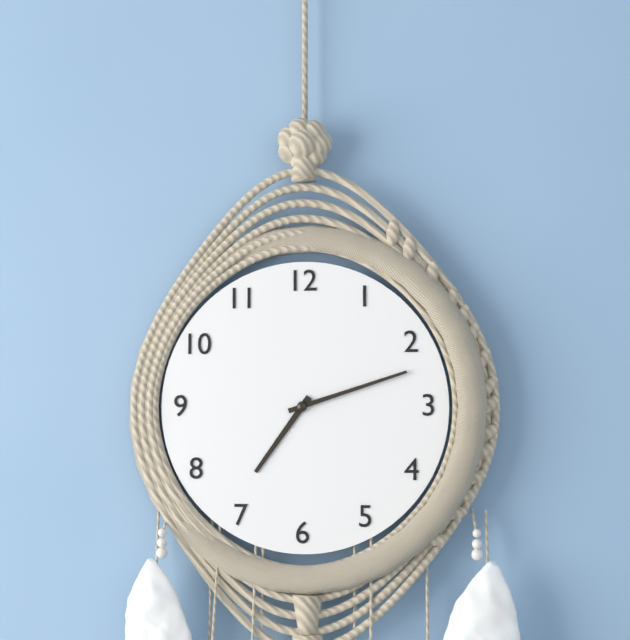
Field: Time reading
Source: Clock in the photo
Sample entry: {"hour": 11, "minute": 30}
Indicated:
{"hour": 7, "minute": 12}
